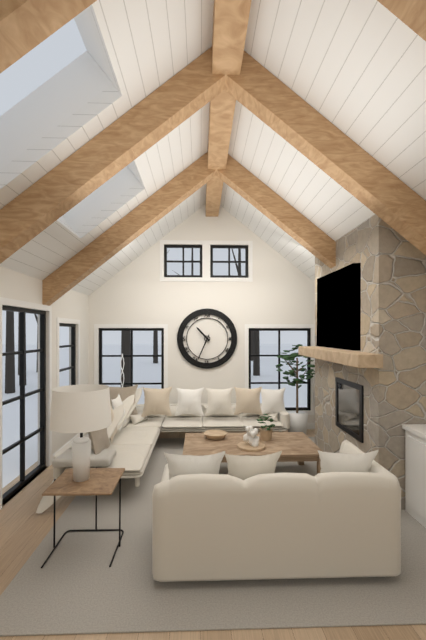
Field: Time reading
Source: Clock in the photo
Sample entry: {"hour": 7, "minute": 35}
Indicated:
{"hour": 10, "minute": 34}
